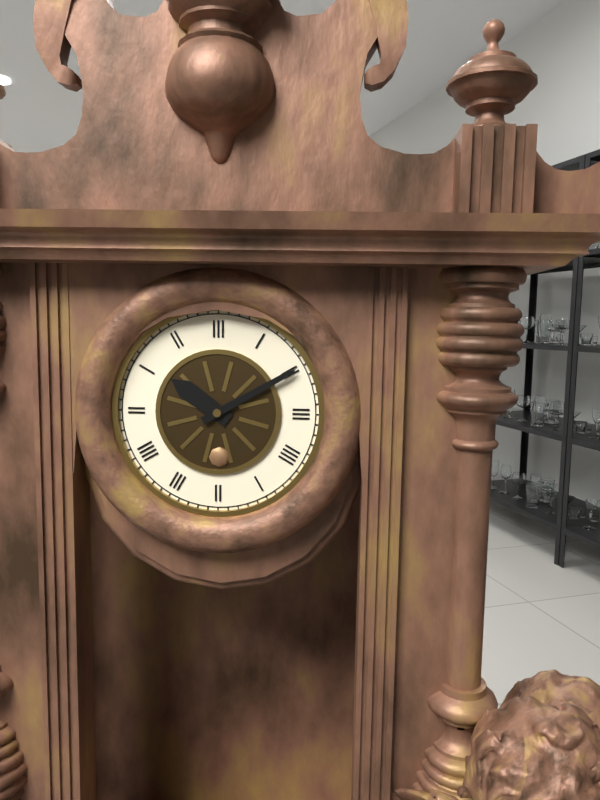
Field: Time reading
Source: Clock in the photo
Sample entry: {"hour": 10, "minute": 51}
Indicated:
{"hour": 10, "minute": 10}
